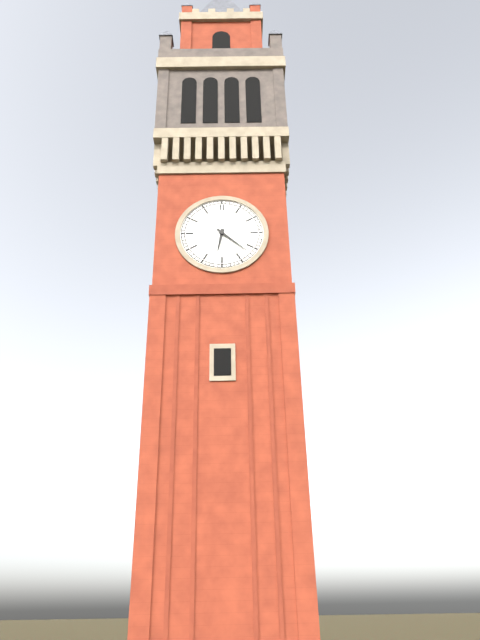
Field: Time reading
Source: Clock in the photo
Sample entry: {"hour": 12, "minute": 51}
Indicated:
{"hour": 6, "minute": 22}
